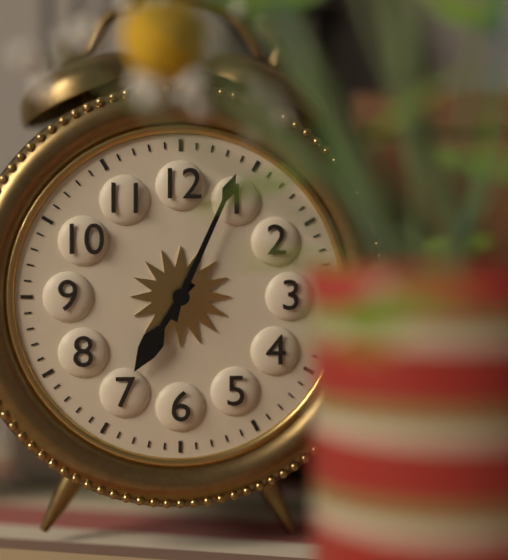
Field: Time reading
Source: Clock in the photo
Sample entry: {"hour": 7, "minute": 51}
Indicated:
{"hour": 7, "minute": 4}
